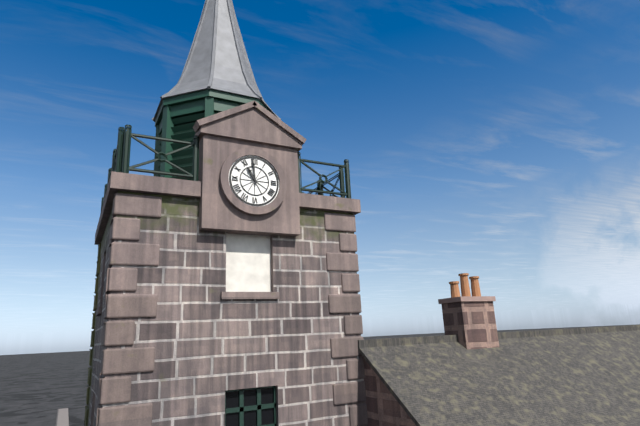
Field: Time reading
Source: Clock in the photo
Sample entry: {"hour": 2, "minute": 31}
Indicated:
{"hour": 10, "minute": 59}
